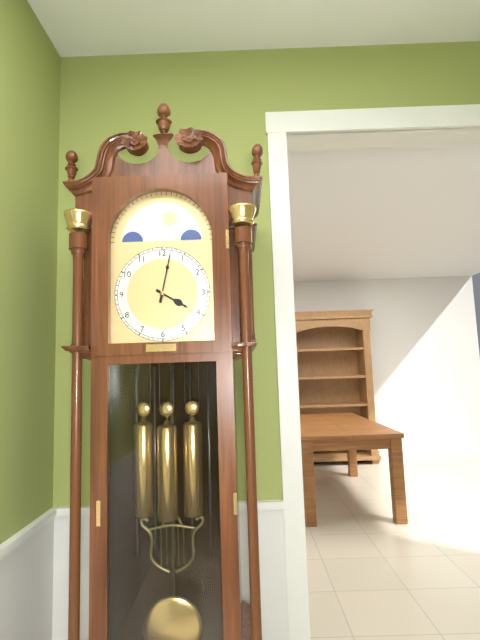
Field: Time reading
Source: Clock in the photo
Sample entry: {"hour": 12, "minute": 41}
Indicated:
{"hour": 4, "minute": 2}
